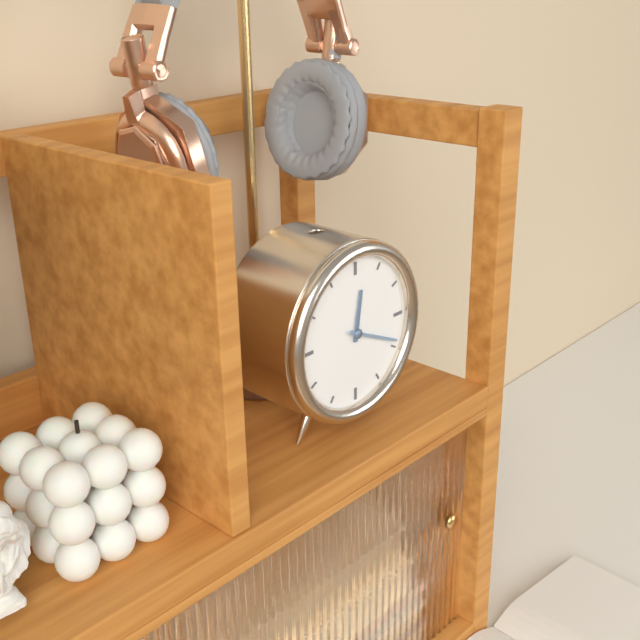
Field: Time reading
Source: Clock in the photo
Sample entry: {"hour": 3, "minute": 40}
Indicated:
{"hour": 12, "minute": 19}
